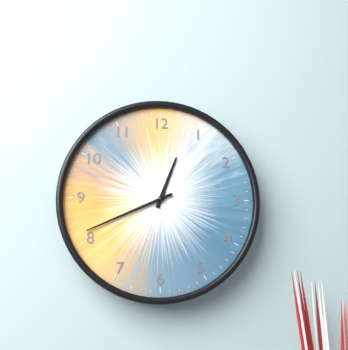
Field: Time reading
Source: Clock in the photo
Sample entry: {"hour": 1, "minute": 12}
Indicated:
{"hour": 12, "minute": 41}
